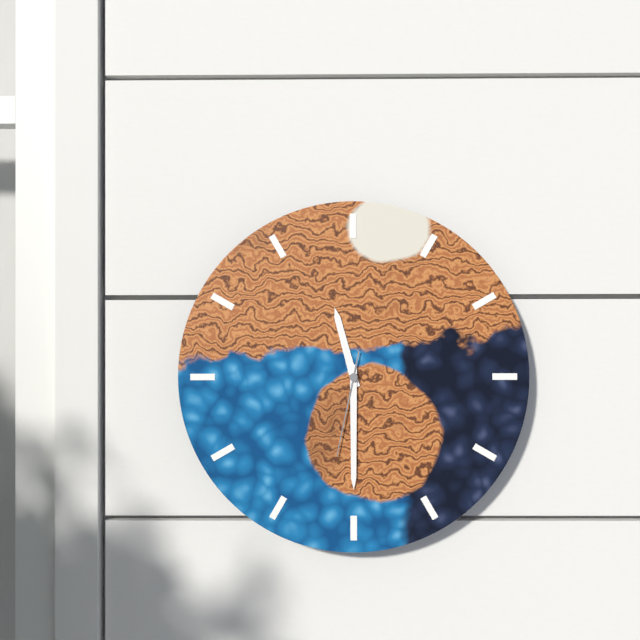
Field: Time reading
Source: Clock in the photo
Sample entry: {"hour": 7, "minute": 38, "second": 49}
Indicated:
{"hour": 11, "minute": 30, "second": 32}
